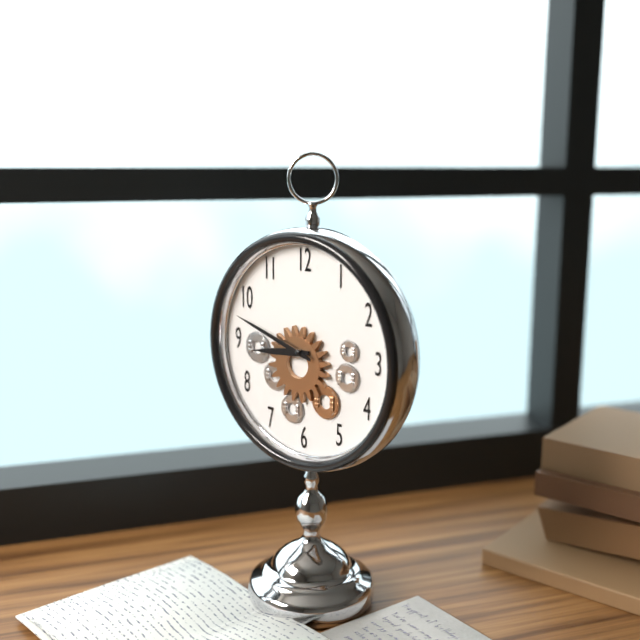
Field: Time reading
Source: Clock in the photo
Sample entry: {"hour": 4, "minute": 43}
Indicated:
{"hour": 8, "minute": 48}
